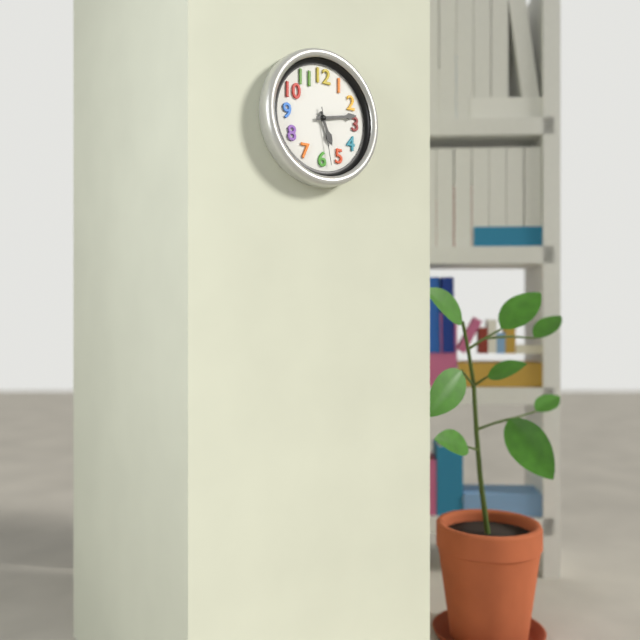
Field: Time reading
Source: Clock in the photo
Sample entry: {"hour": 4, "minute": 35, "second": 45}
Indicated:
{"hour": 5, "minute": 13, "second": 28}
